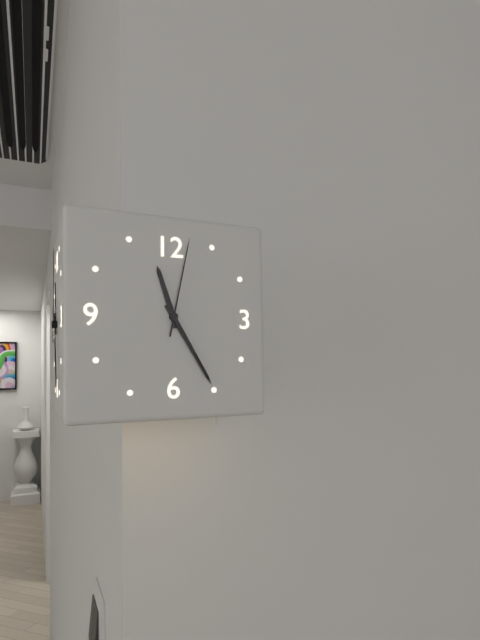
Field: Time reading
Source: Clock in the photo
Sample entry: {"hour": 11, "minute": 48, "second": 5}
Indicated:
{"hour": 11, "minute": 25, "second": 2}
